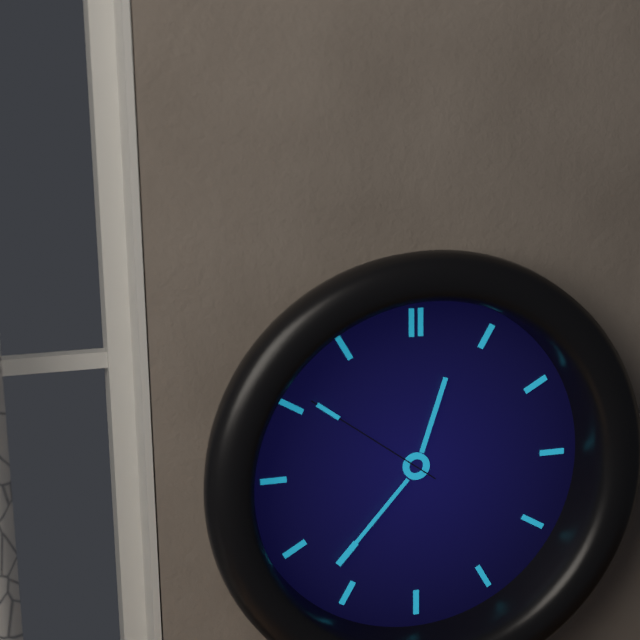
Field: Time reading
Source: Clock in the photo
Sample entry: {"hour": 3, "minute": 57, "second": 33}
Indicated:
{"hour": 12, "minute": 37, "second": 51}
